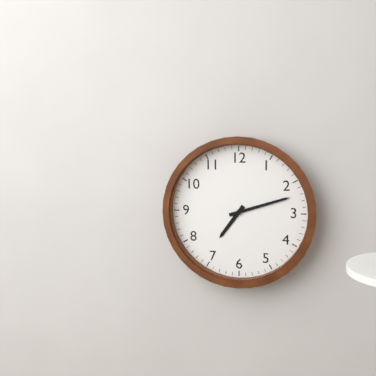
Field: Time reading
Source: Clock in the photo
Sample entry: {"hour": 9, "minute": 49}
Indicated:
{"hour": 7, "minute": 12}
